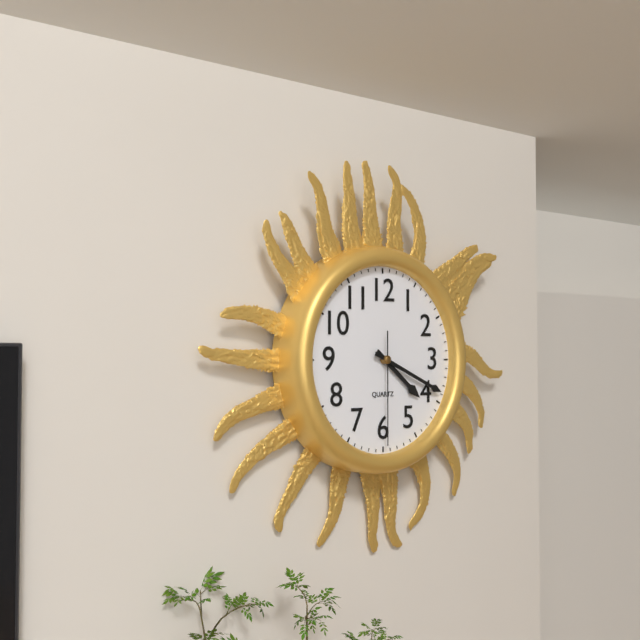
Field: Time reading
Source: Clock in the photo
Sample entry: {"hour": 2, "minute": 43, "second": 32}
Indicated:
{"hour": 4, "minute": 19, "second": 30}
